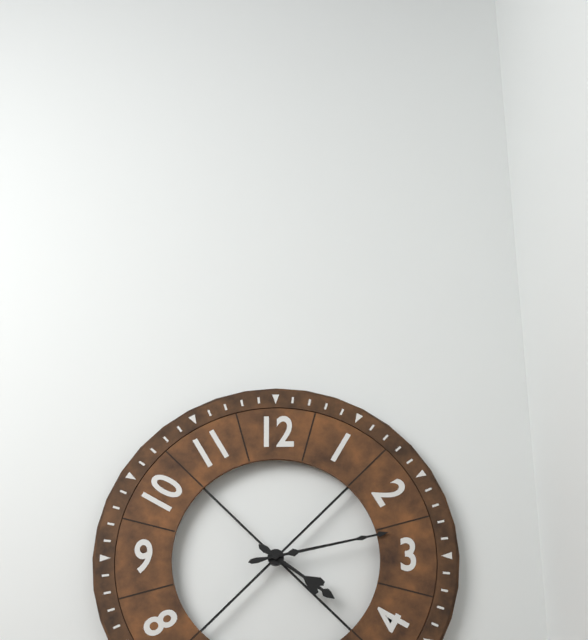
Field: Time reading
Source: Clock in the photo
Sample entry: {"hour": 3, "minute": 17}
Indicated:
{"hour": 4, "minute": 13}
